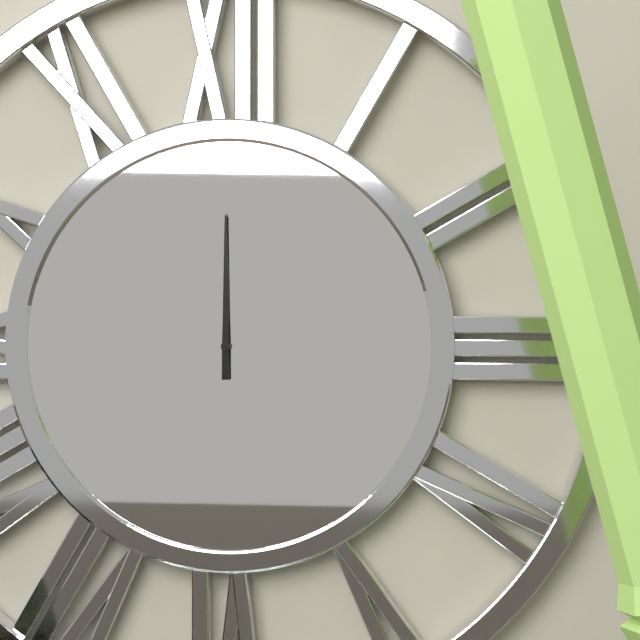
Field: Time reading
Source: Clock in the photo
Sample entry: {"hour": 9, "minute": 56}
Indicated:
{"hour": 12, "minute": 0}
